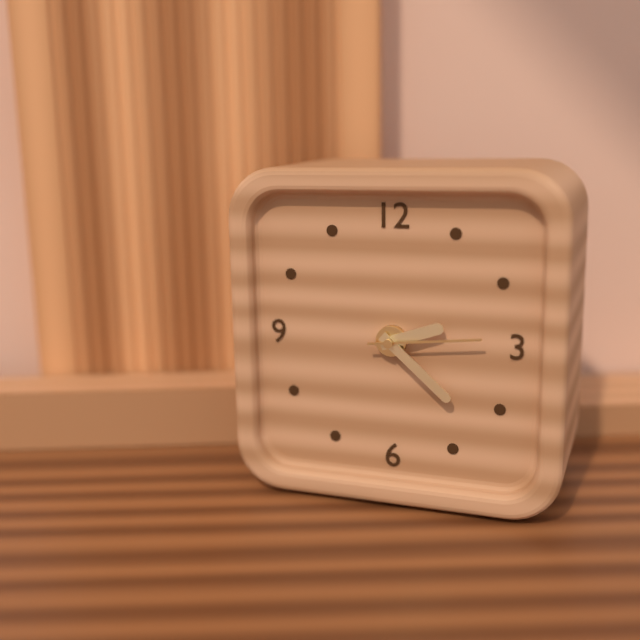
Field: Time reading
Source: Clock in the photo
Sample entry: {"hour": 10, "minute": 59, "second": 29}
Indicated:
{"hour": 2, "minute": 22, "second": 14}
